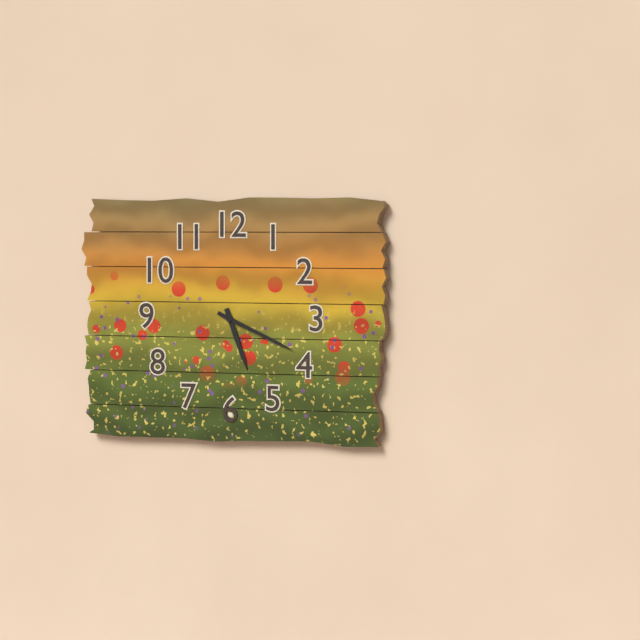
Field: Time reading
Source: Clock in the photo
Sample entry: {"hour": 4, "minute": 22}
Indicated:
{"hour": 5, "minute": 19}
